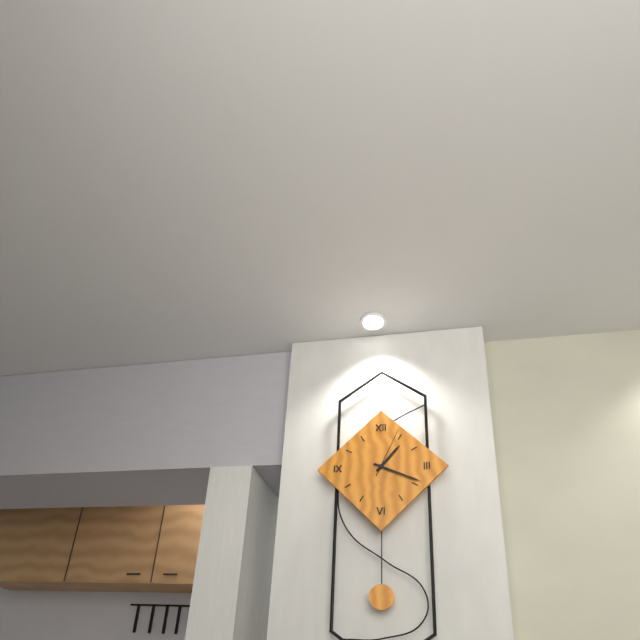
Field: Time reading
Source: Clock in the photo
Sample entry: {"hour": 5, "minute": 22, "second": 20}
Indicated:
{"hour": 1, "minute": 19, "second": 4}
